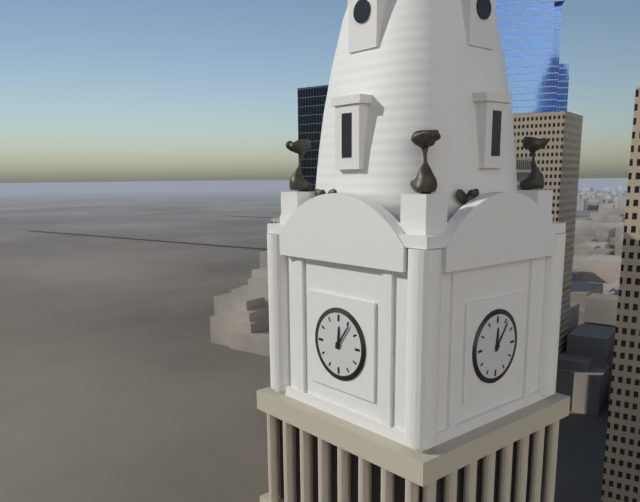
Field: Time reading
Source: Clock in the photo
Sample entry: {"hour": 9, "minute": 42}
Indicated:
{"hour": 12, "minute": 6}
